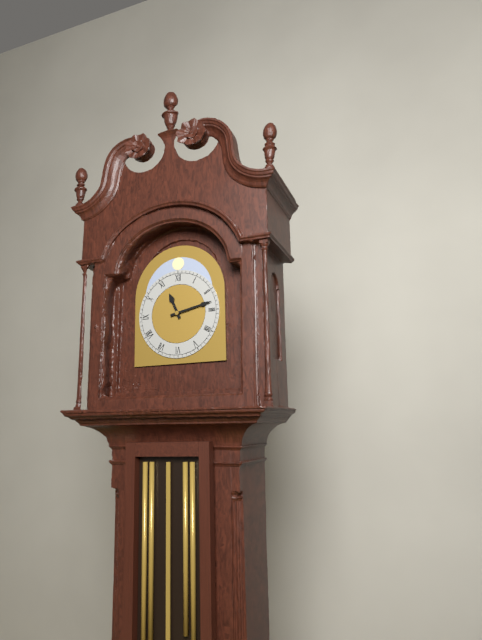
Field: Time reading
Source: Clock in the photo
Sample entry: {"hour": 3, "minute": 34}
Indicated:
{"hour": 11, "minute": 13}
